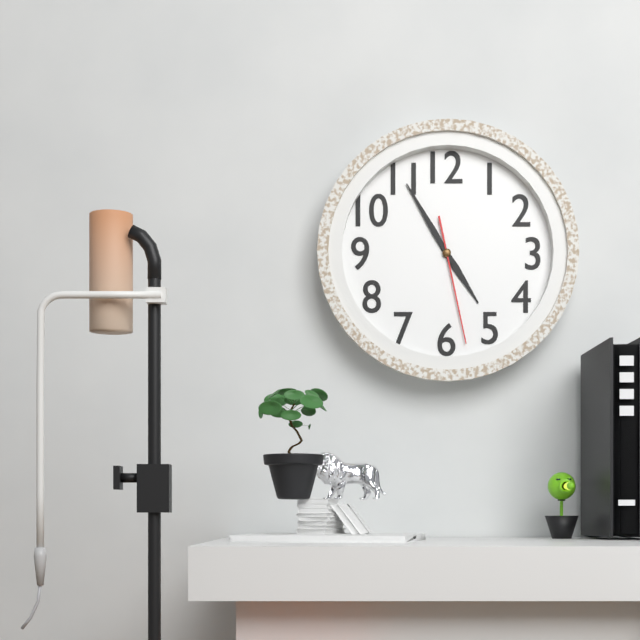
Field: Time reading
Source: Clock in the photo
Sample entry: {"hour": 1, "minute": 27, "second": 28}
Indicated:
{"hour": 4, "minute": 55, "second": 28}
